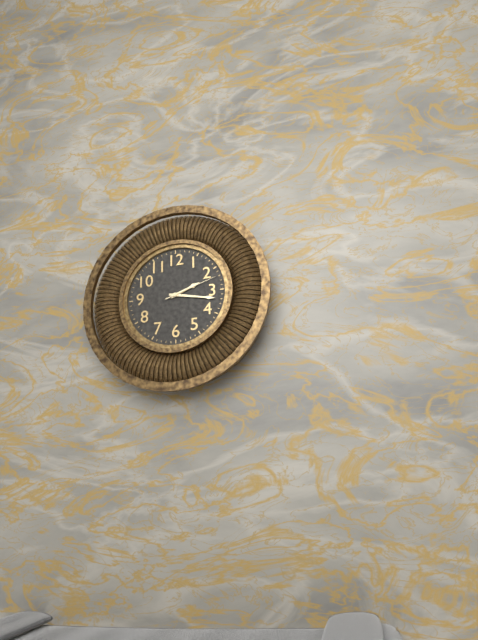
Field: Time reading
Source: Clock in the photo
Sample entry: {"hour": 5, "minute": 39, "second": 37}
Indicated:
{"hour": 2, "minute": 17, "second": 12}
